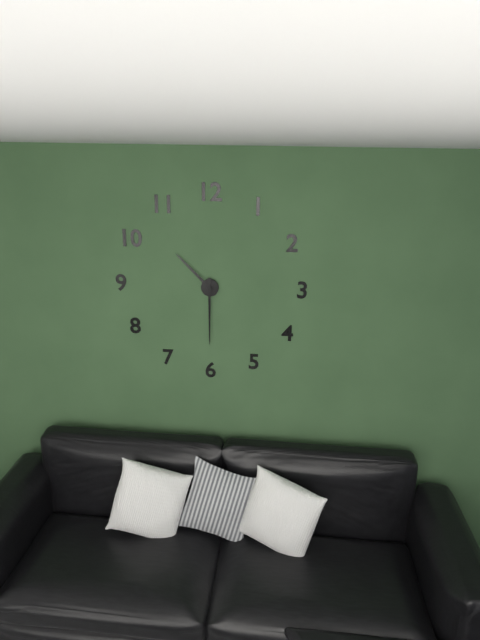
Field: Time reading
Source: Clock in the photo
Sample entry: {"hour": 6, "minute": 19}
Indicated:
{"hour": 10, "minute": 30}
